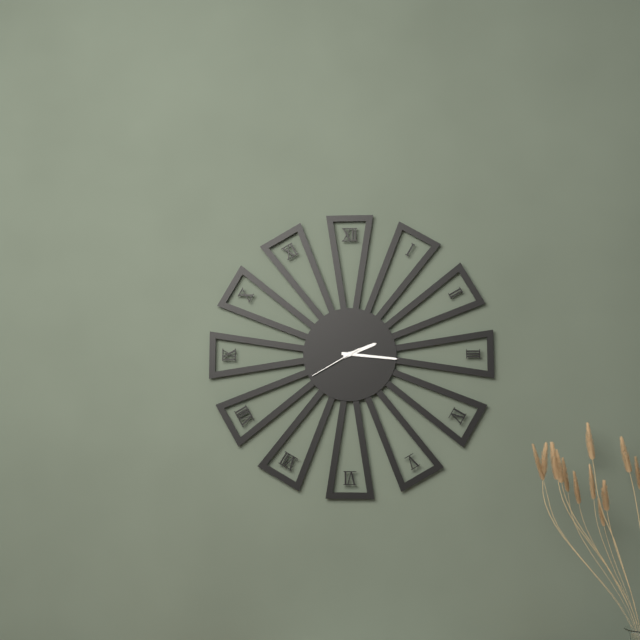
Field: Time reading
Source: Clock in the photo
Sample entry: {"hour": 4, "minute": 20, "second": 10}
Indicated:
{"hour": 2, "minute": 16, "second": 40}
